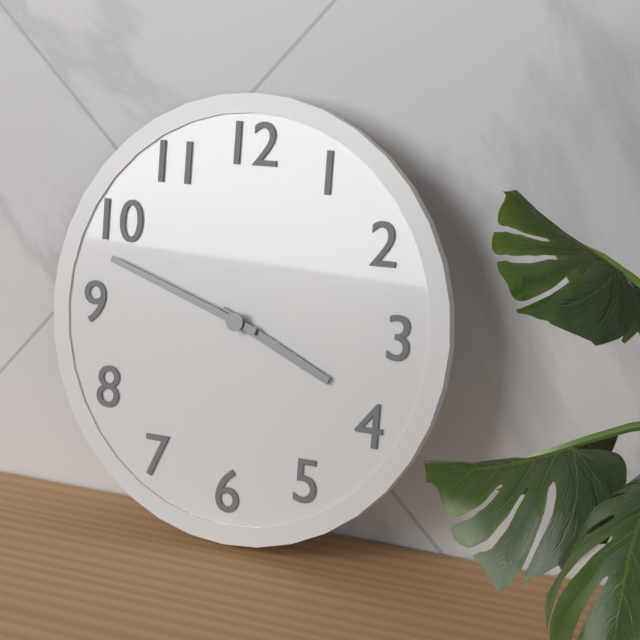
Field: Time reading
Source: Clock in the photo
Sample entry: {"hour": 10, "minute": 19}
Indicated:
{"hour": 3, "minute": 48}
